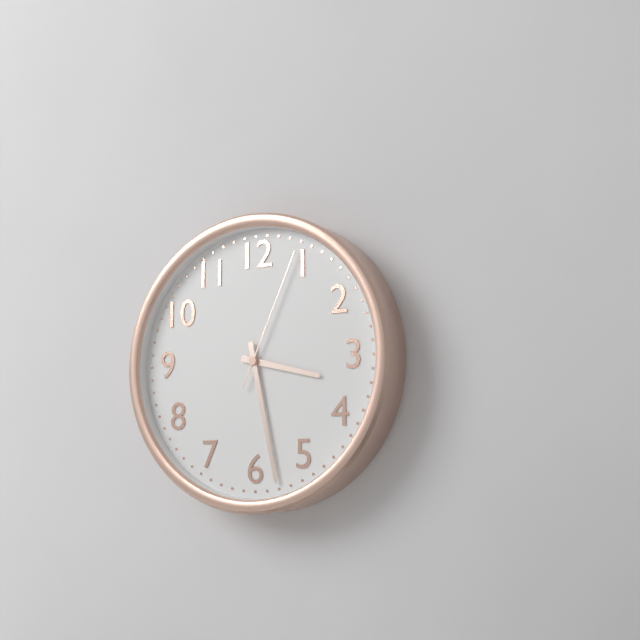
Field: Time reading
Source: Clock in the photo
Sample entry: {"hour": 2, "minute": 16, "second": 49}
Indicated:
{"hour": 3, "minute": 28, "second": 4}
